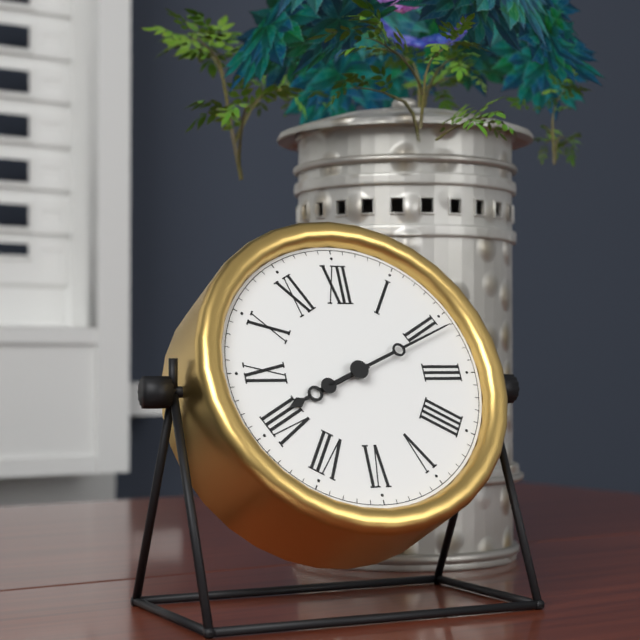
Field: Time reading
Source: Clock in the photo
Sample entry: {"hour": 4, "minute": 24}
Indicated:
{"hour": 8, "minute": 11}
